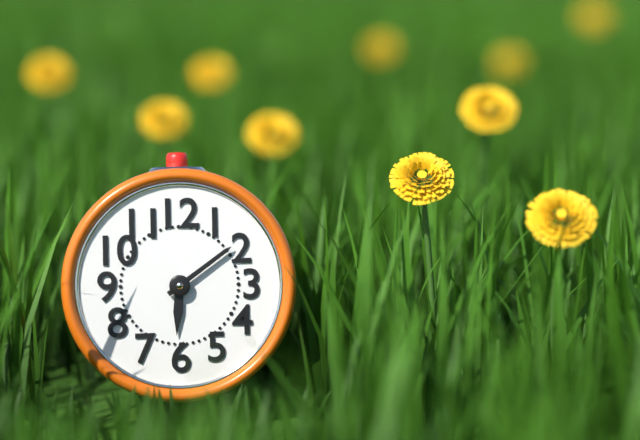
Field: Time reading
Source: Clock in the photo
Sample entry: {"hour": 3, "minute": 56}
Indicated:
{"hour": 6, "minute": 9}
